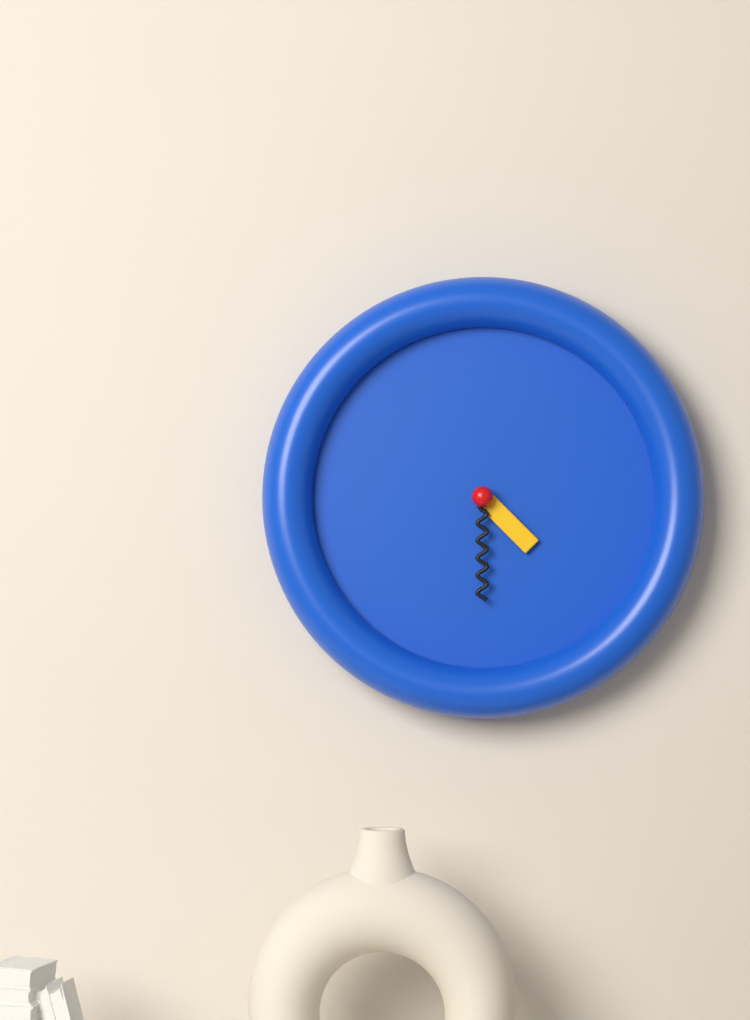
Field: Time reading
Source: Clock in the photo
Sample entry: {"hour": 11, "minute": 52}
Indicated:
{"hour": 4, "minute": 30}
